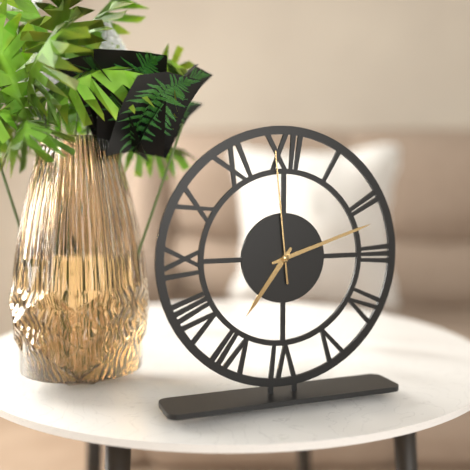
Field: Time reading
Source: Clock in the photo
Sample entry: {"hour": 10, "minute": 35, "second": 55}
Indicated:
{"hour": 7, "minute": 12, "second": 59}
